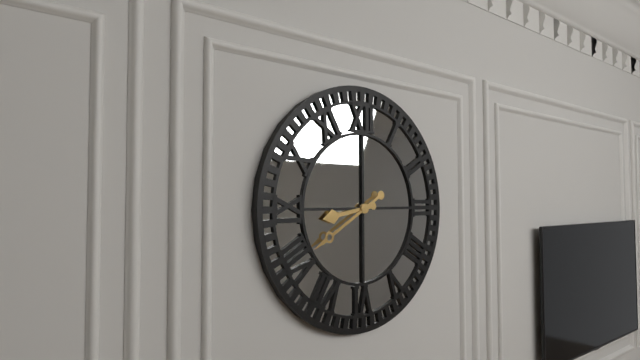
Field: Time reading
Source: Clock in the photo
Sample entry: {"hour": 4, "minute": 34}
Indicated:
{"hour": 8, "minute": 40}
